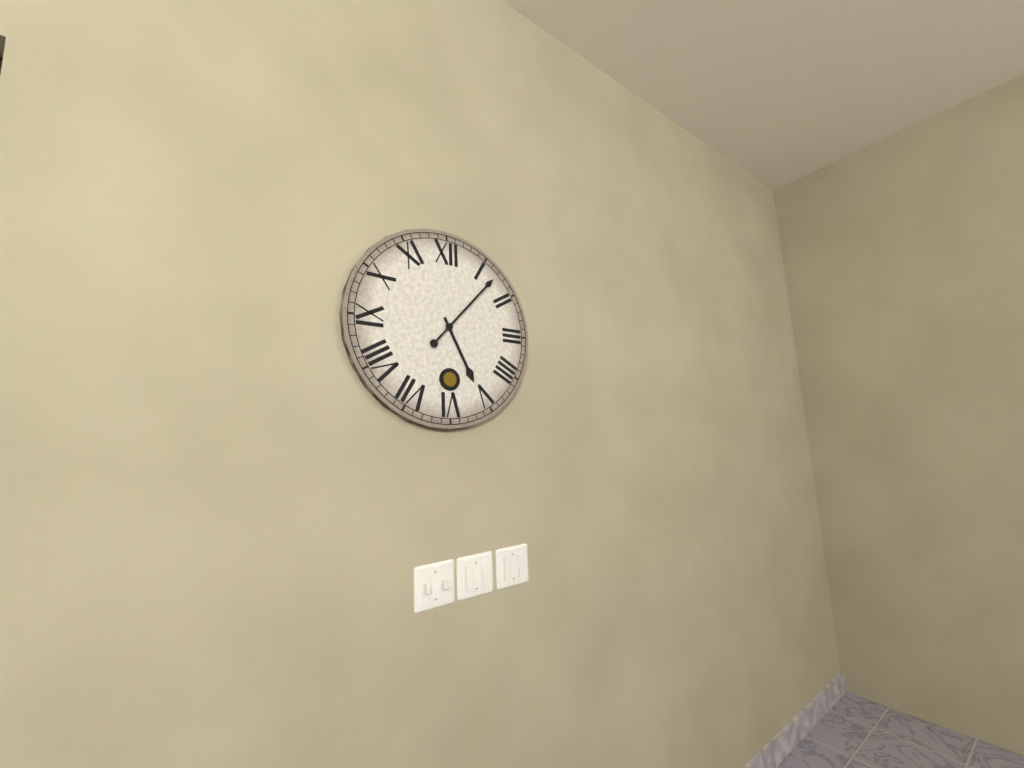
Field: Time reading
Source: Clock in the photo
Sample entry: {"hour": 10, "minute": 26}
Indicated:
{"hour": 5, "minute": 7}
